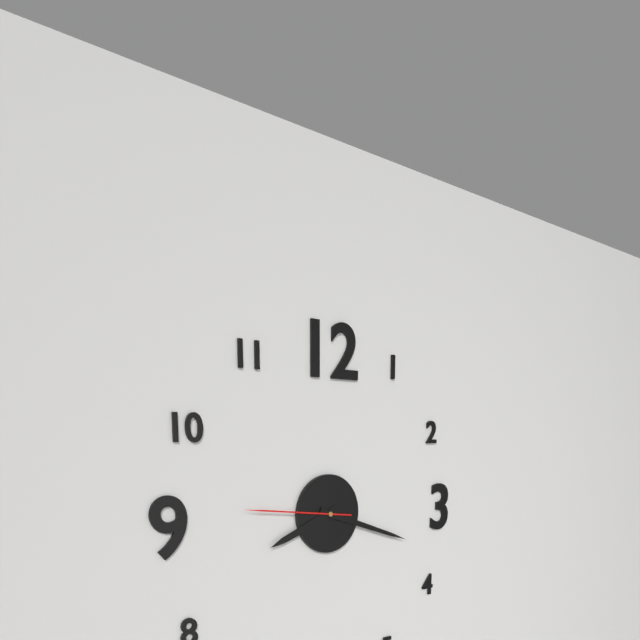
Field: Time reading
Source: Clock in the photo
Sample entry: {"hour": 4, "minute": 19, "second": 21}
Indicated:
{"hour": 8, "minute": 18, "second": 46}
